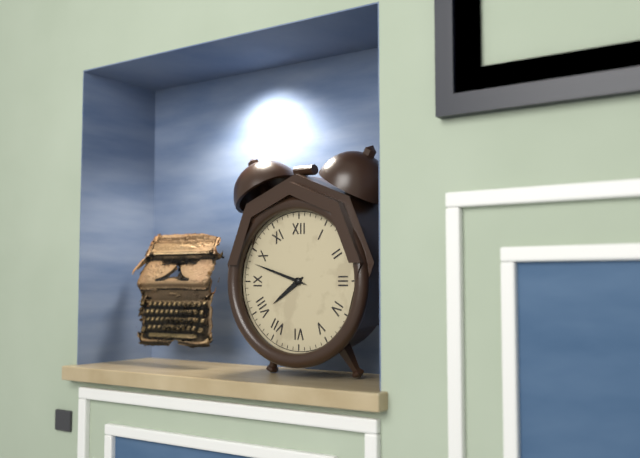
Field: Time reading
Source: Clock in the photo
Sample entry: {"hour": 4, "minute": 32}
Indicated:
{"hour": 7, "minute": 48}
